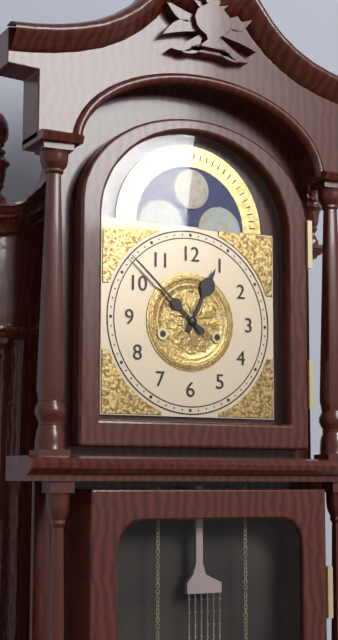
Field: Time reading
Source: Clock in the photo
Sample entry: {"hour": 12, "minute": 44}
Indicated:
{"hour": 12, "minute": 52}
